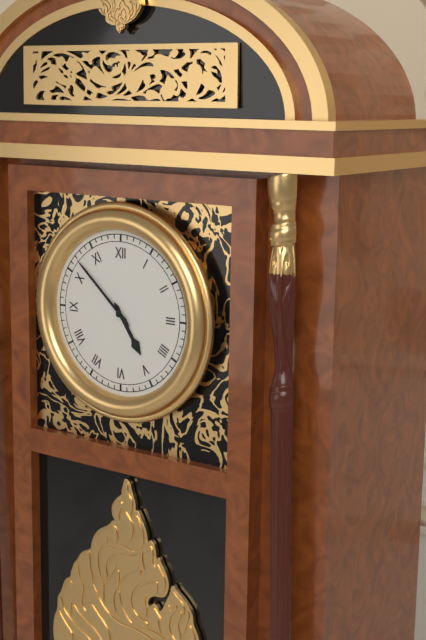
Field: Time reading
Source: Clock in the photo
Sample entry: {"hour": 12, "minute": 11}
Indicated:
{"hour": 4, "minute": 52}
